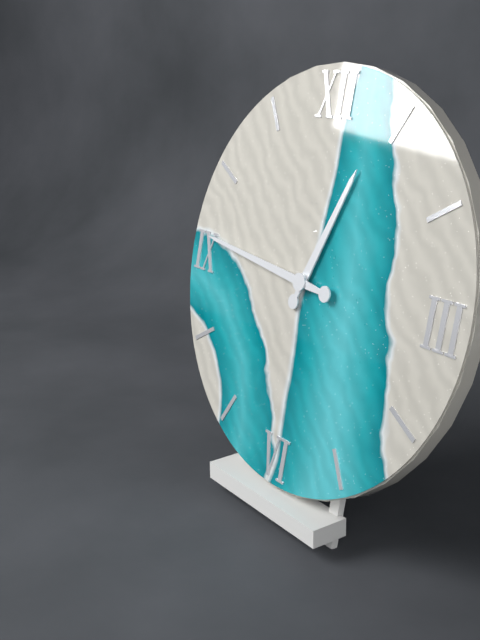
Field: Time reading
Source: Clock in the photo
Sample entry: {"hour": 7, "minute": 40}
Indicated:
{"hour": 12, "minute": 46}
